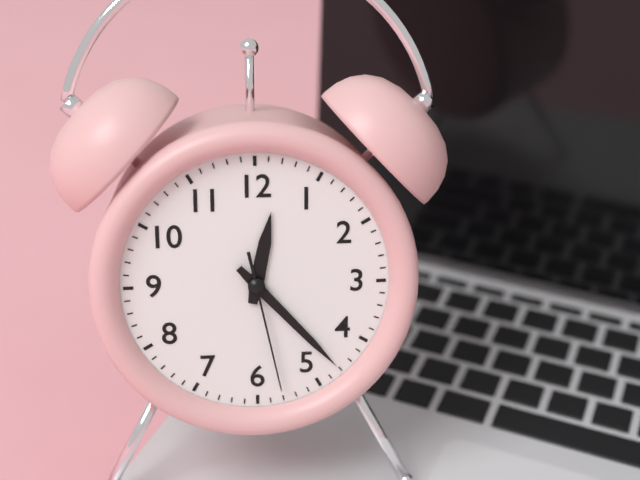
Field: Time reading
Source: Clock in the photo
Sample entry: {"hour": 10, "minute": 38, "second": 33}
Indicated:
{"hour": 12, "minute": 23, "second": 28}
